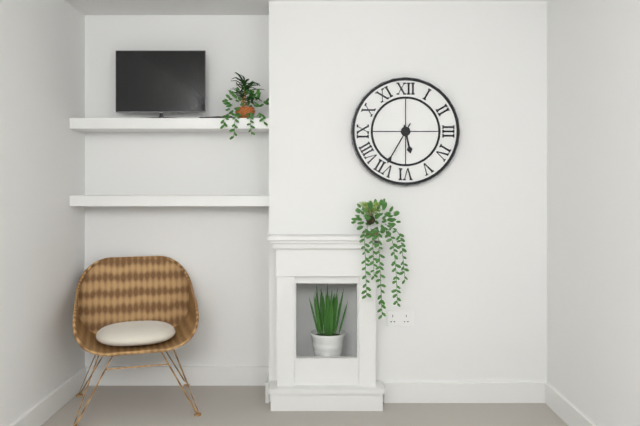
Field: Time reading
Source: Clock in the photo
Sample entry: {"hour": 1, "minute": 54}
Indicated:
{"hour": 5, "minute": 35}
